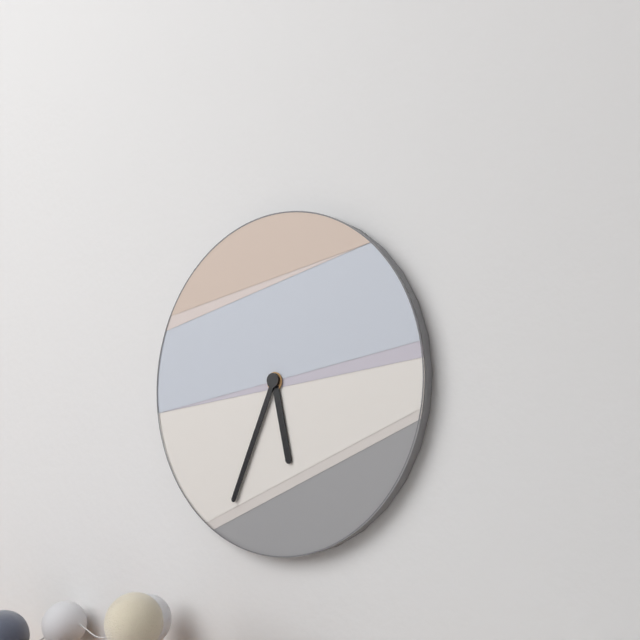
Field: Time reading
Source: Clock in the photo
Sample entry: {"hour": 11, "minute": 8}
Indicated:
{"hour": 5, "minute": 34}
